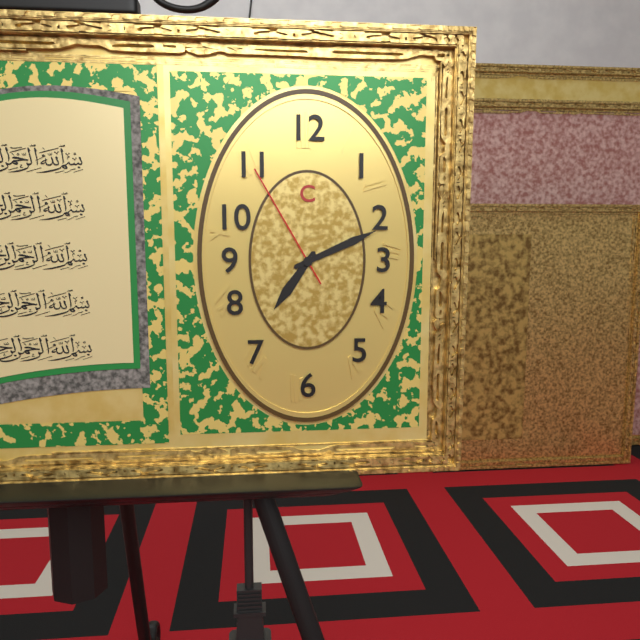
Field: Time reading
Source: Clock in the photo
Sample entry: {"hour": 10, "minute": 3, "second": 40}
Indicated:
{"hour": 7, "minute": 11, "second": 55}
